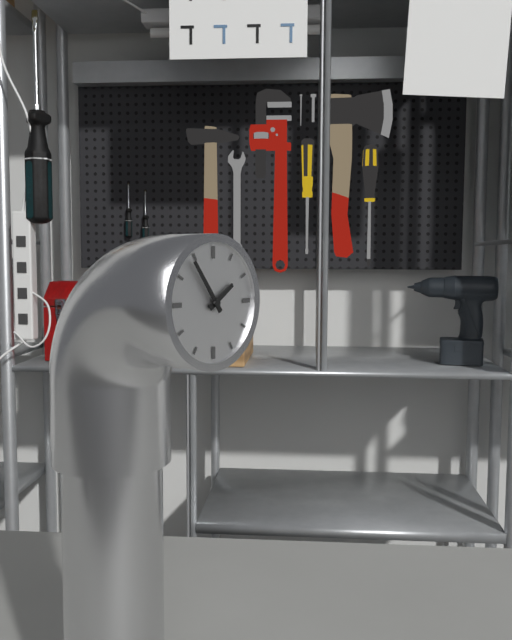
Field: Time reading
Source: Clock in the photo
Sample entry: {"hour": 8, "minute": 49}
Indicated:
{"hour": 1, "minute": 54}
